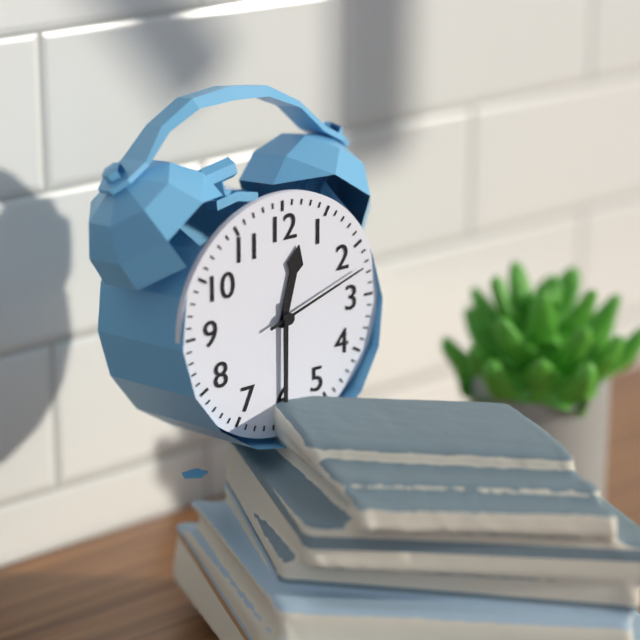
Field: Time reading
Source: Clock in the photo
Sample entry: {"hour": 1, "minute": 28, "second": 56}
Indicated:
{"hour": 12, "minute": 30, "second": 12}
